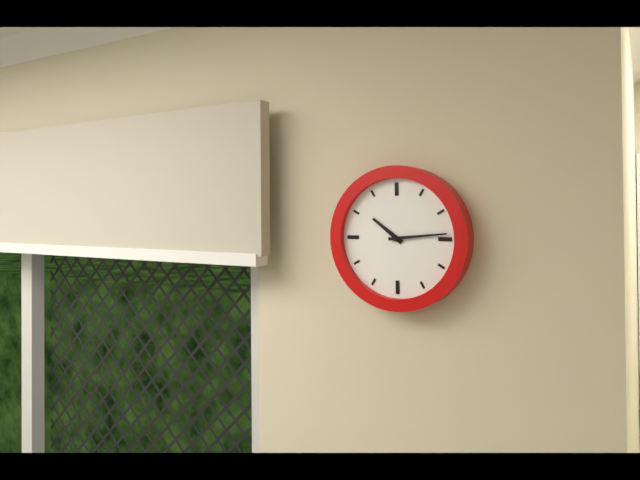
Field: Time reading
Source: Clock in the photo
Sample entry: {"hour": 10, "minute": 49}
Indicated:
{"hour": 10, "minute": 14}
